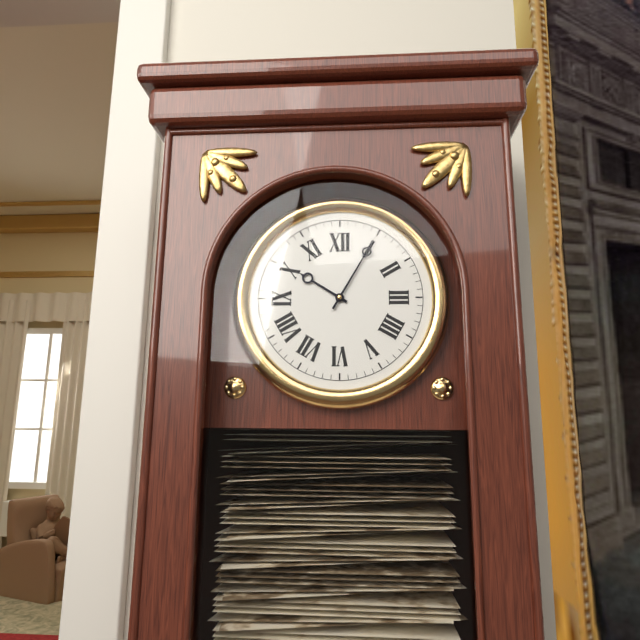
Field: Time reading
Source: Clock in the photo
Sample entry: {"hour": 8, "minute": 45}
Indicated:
{"hour": 10, "minute": 5}
